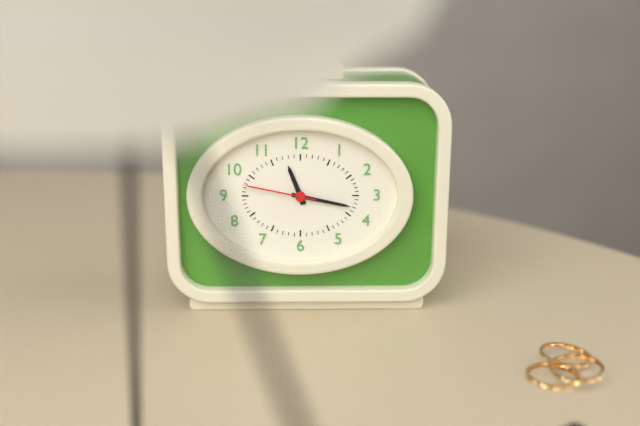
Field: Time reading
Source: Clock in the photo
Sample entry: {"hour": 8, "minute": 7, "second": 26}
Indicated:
{"hour": 11, "minute": 17, "second": 47}
